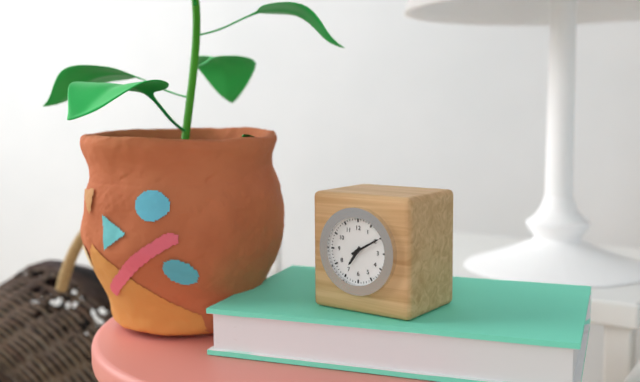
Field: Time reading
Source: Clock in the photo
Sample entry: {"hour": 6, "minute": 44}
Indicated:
{"hour": 7, "minute": 10}
